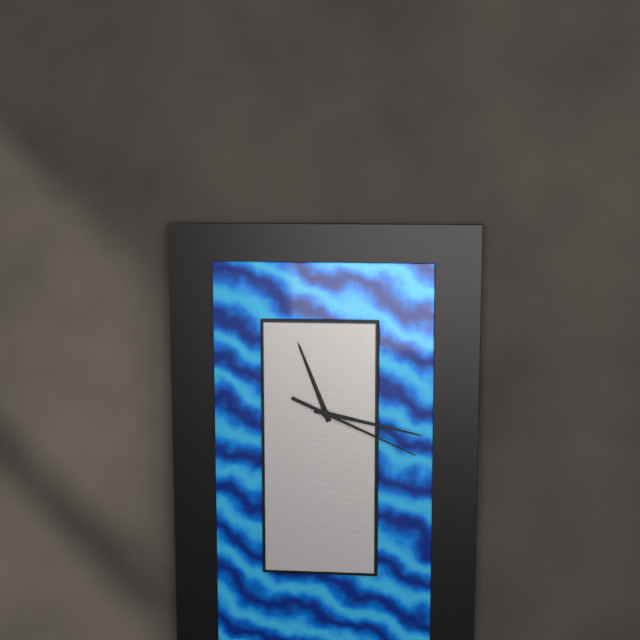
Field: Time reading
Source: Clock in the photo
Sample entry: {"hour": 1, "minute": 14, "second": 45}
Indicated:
{"hour": 11, "minute": 17, "second": 19}
